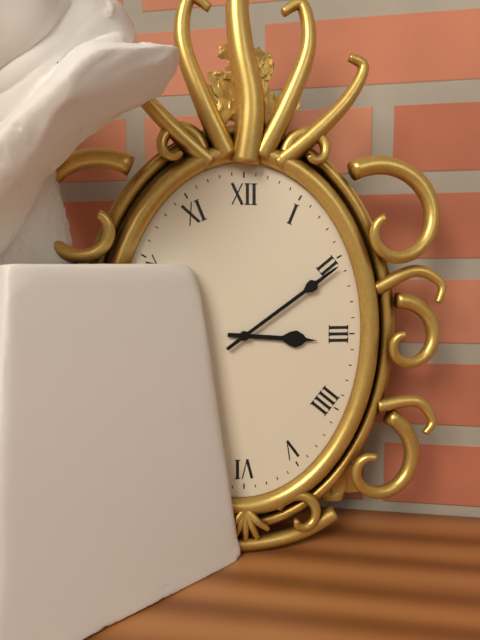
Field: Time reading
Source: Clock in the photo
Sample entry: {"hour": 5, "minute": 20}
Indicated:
{"hour": 3, "minute": 9}
